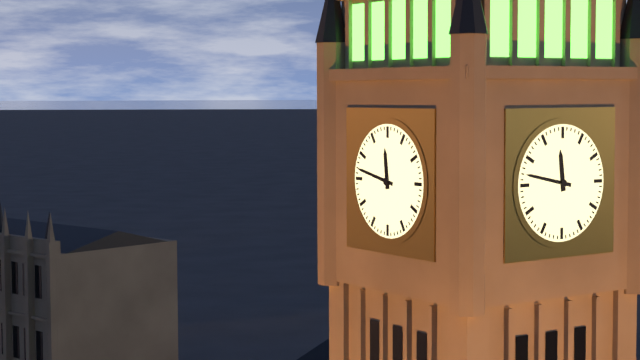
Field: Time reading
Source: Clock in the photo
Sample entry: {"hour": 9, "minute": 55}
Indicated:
{"hour": 11, "minute": 47}
